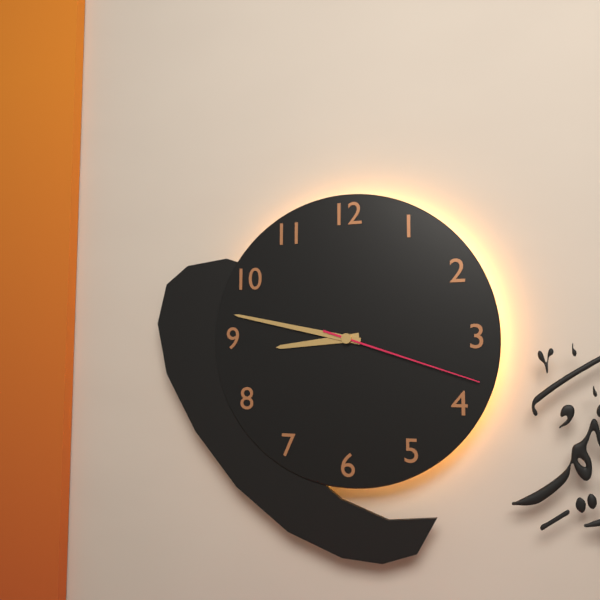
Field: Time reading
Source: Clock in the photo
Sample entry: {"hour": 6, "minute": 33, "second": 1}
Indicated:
{"hour": 8, "minute": 47, "second": 18}
